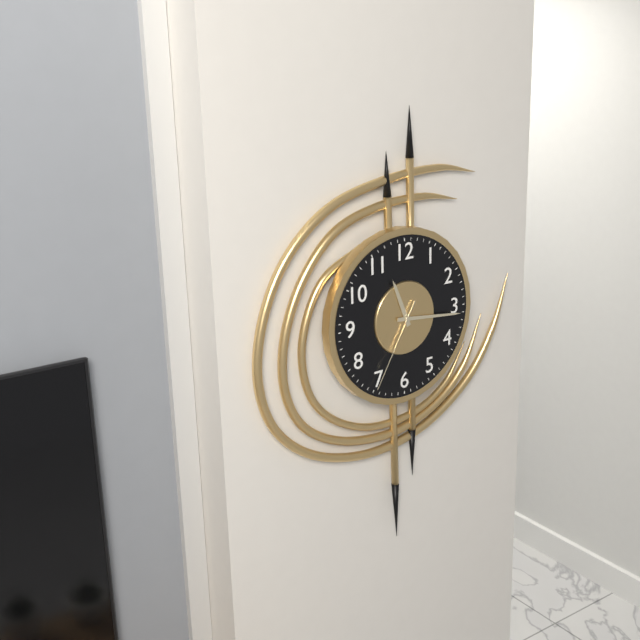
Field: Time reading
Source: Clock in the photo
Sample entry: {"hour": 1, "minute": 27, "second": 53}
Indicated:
{"hour": 11, "minute": 16, "second": 35}
